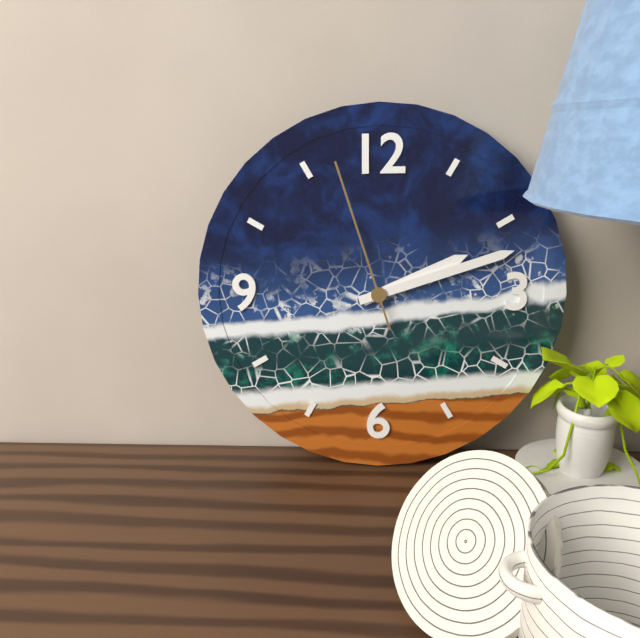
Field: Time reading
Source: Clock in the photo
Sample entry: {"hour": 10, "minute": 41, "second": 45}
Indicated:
{"hour": 2, "minute": 12, "second": 57}
